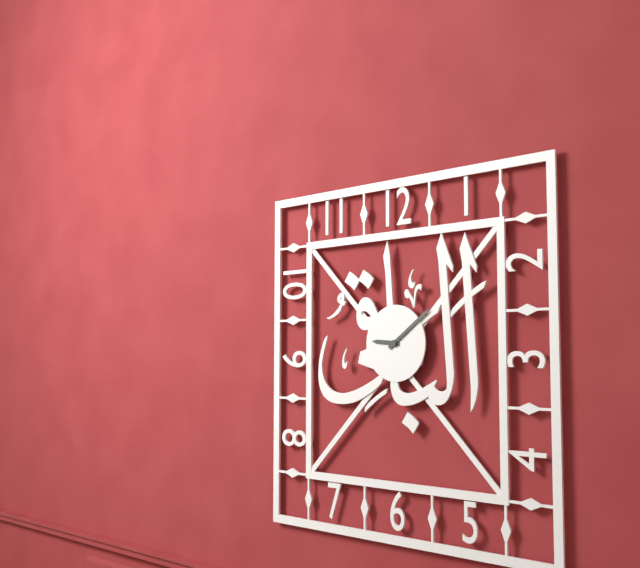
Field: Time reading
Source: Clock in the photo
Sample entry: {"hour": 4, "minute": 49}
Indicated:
{"hour": 9, "minute": 9}
